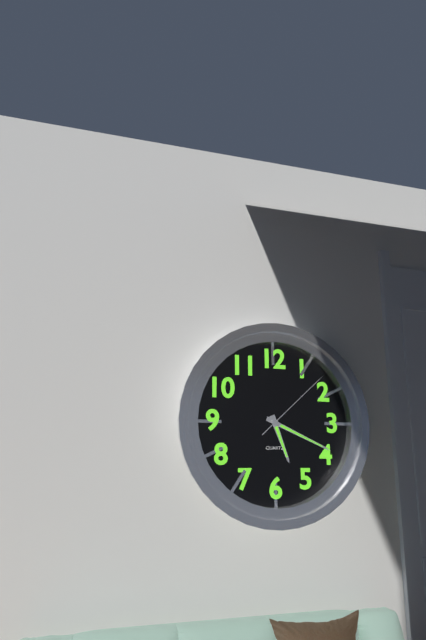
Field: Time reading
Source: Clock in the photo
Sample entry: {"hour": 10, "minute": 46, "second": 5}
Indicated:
{"hour": 5, "minute": 19, "second": 8}
